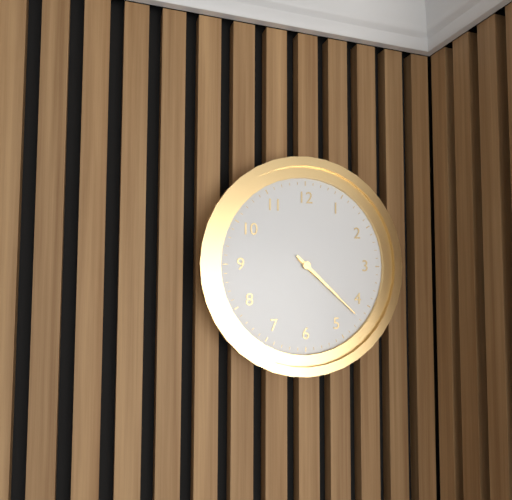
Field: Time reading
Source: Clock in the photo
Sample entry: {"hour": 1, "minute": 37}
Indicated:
{"hour": 4, "minute": 22}
